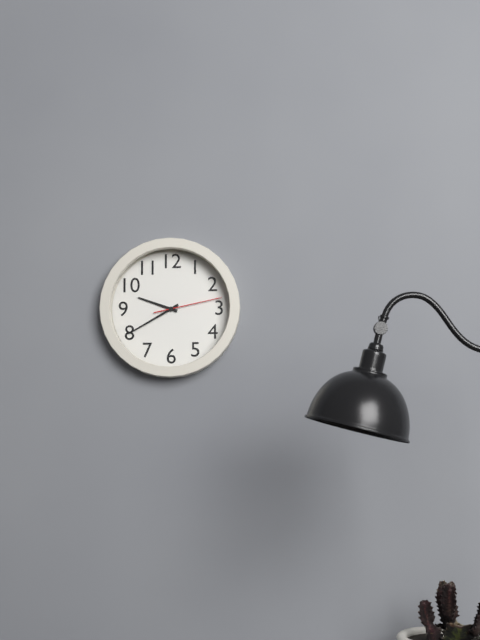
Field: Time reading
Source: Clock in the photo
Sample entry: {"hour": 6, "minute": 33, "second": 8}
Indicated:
{"hour": 9, "minute": 40, "second": 13}
